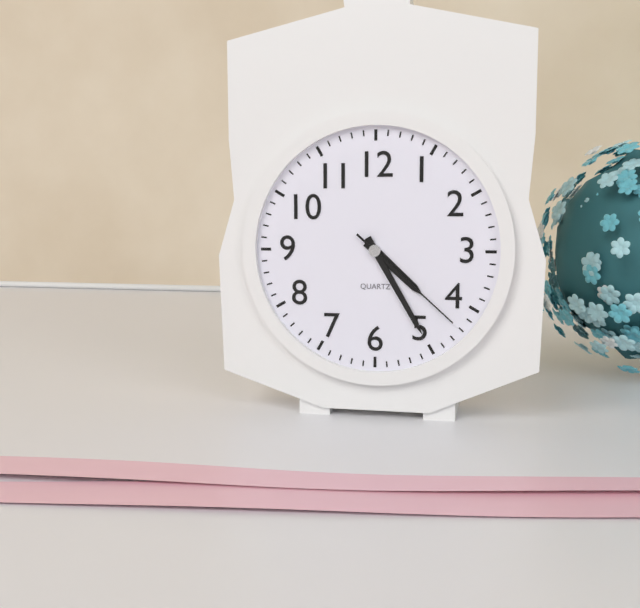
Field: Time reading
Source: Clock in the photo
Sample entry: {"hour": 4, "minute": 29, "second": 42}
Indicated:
{"hour": 4, "minute": 25, "second": 22}
